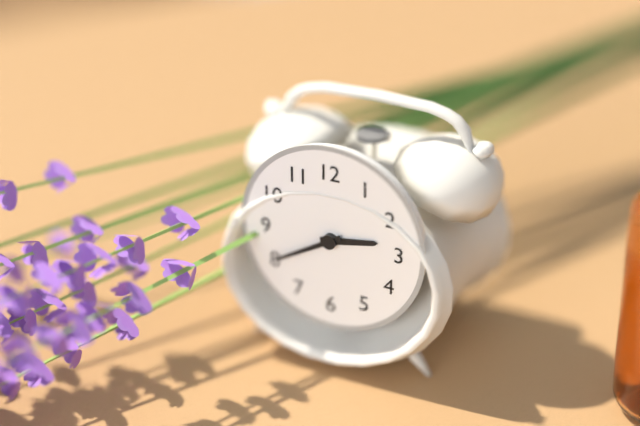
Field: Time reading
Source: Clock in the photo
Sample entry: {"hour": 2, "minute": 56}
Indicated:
{"hour": 2, "minute": 40}
